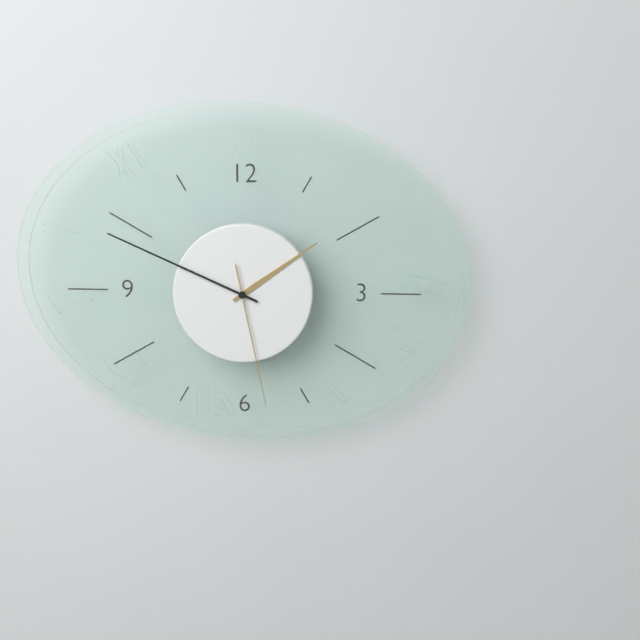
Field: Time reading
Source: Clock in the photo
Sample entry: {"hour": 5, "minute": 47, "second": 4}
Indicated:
{"hour": 1, "minute": 49, "second": 28}
